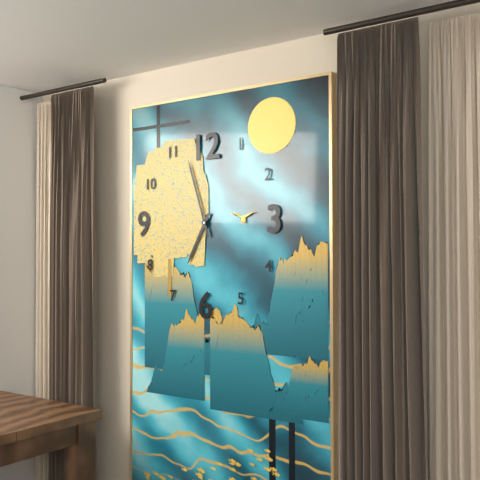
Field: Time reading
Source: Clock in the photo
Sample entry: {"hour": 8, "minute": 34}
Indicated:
{"hour": 6, "minute": 57}
